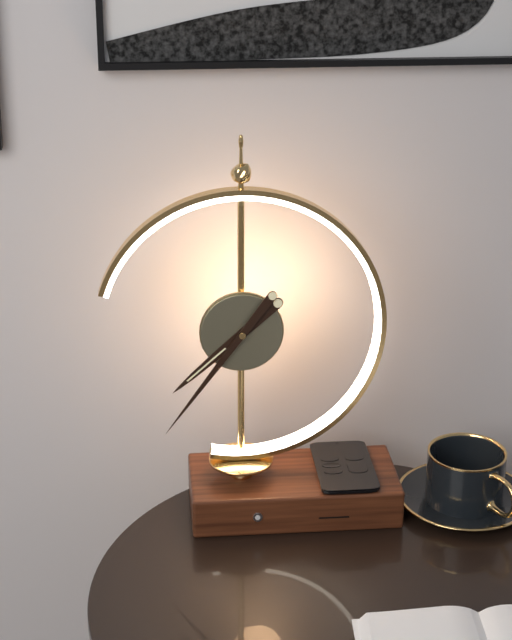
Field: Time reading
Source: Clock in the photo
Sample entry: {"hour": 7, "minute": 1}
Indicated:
{"hour": 7, "minute": 36}
